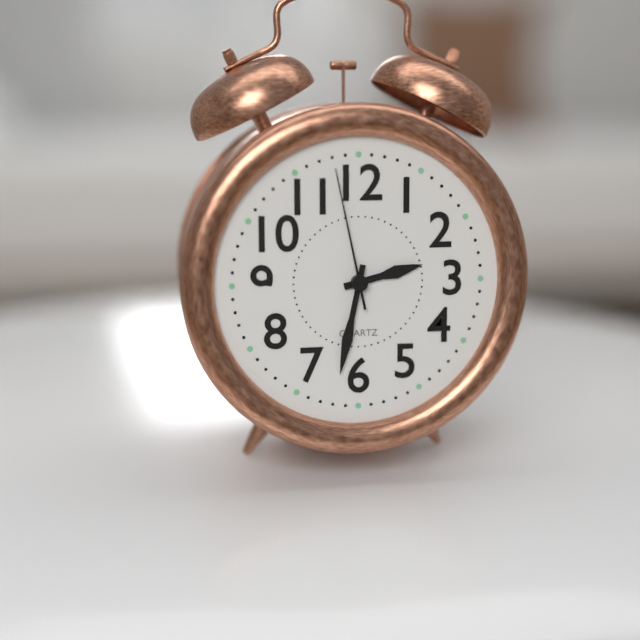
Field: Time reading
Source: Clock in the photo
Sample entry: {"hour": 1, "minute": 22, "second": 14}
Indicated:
{"hour": 2, "minute": 32, "second": 58}
